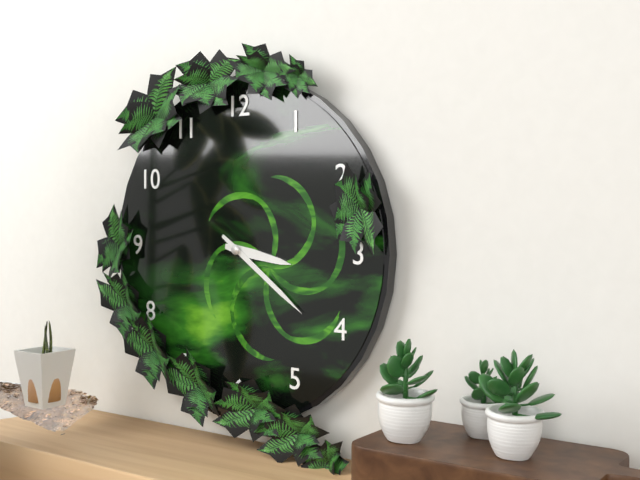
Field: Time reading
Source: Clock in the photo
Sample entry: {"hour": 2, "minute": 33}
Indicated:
{"hour": 3, "minute": 21}
